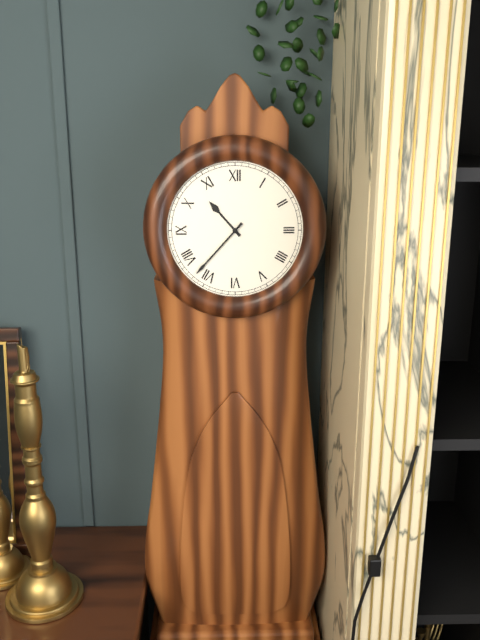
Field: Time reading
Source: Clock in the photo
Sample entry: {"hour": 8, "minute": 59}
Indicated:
{"hour": 10, "minute": 37}
